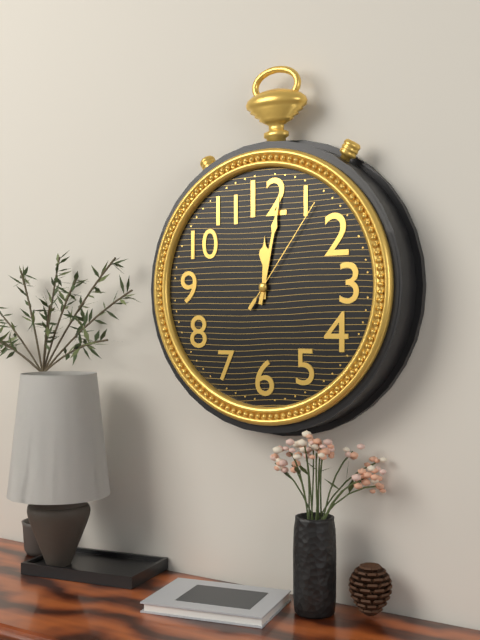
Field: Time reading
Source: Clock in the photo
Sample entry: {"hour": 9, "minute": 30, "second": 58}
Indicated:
{"hour": 12, "minute": 2, "second": 6}
